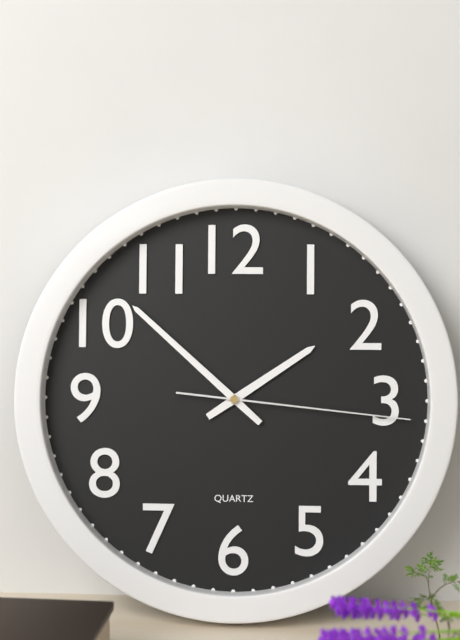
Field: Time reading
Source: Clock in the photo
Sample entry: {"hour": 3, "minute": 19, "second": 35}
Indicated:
{"hour": 1, "minute": 52, "second": 16}
